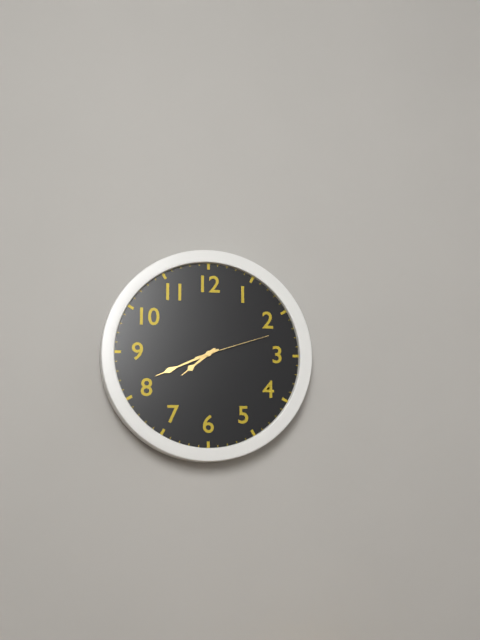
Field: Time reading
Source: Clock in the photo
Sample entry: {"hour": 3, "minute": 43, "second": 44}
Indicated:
{"hour": 7, "minute": 41, "second": 12}
